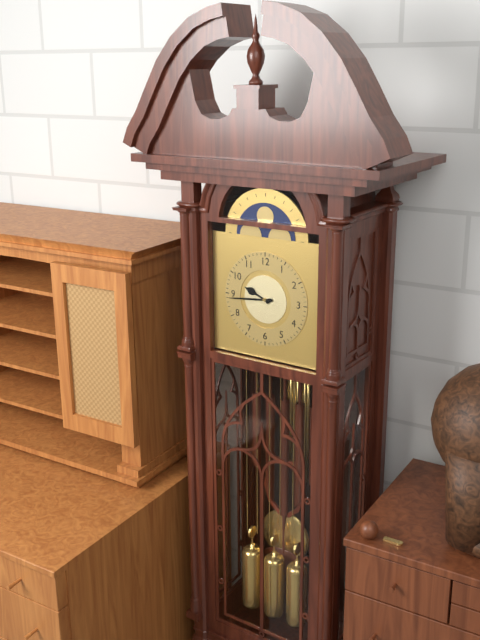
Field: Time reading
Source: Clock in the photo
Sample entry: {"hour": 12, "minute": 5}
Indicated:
{"hour": 9, "minute": 44}
